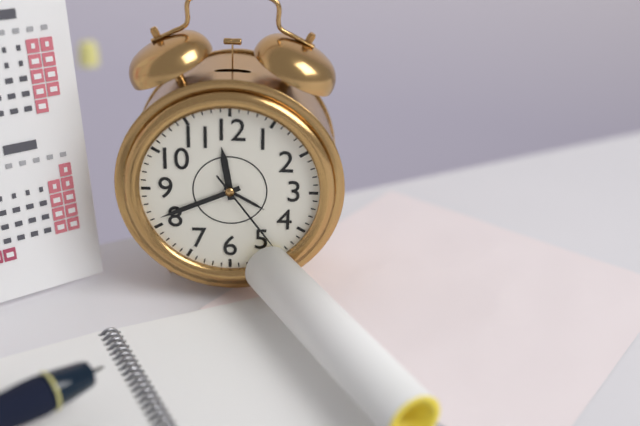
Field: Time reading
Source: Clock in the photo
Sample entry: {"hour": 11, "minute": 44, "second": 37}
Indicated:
{"hour": 11, "minute": 41, "second": 24}
